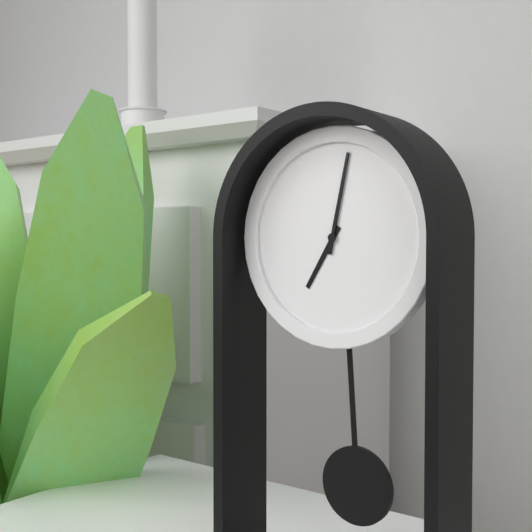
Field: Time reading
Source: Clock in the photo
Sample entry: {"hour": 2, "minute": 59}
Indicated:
{"hour": 7, "minute": 2}
